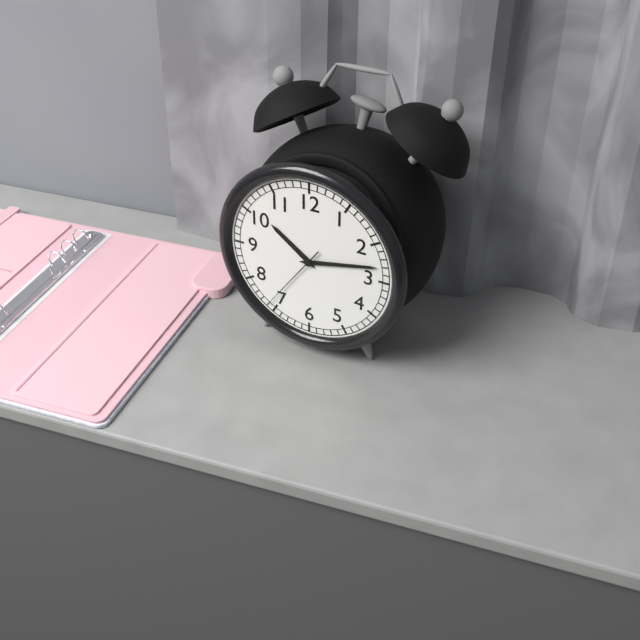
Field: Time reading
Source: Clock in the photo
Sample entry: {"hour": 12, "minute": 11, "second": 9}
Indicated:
{"hour": 10, "minute": 13, "second": 36}
